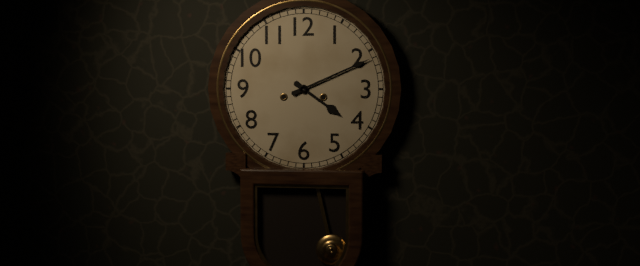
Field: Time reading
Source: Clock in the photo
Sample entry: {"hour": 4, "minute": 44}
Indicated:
{"hour": 4, "minute": 11}
